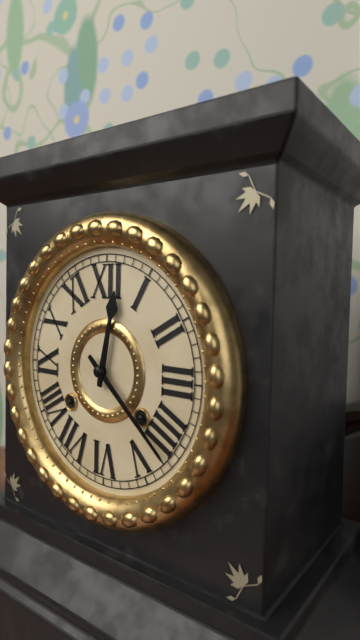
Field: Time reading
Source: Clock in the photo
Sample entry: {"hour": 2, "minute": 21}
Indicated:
{"hour": 12, "minute": 22}
